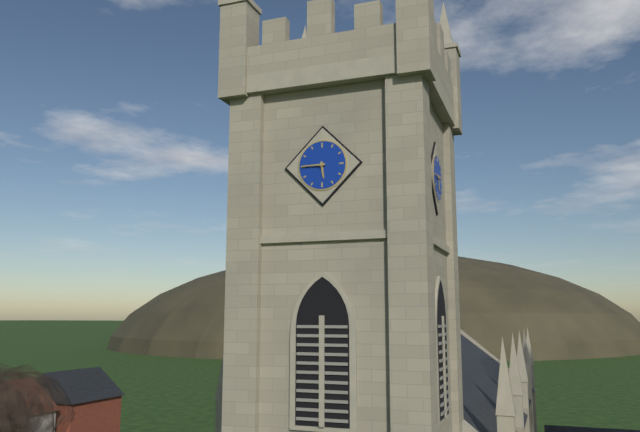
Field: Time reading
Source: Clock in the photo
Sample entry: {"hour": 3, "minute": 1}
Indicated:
{"hour": 5, "minute": 45}
